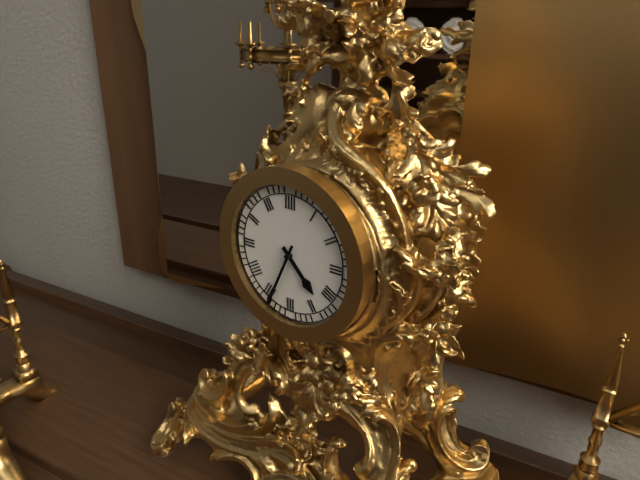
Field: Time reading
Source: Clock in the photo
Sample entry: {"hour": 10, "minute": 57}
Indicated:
{"hour": 4, "minute": 34}
